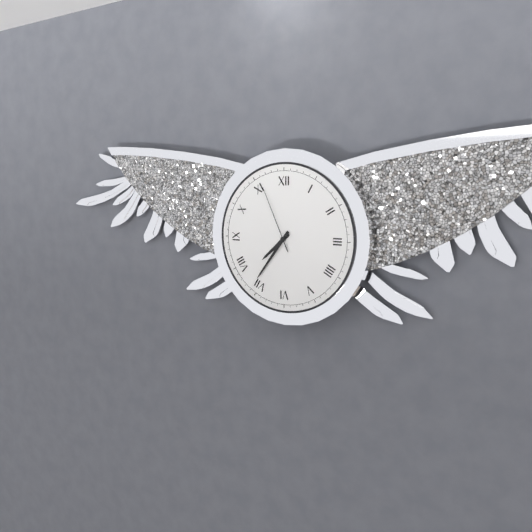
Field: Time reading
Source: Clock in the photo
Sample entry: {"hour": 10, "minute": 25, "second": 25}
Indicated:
{"hour": 7, "minute": 36, "second": 56}
